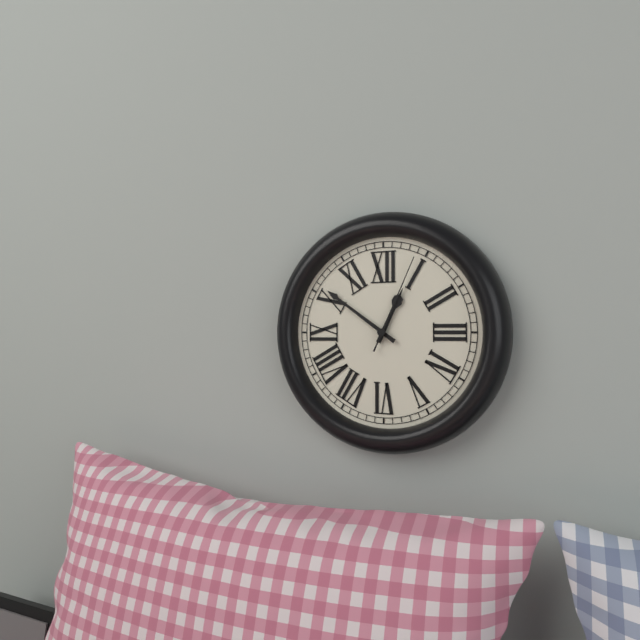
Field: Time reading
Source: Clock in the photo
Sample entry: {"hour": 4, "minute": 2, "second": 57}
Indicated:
{"hour": 12, "minute": 51, "second": 4}
